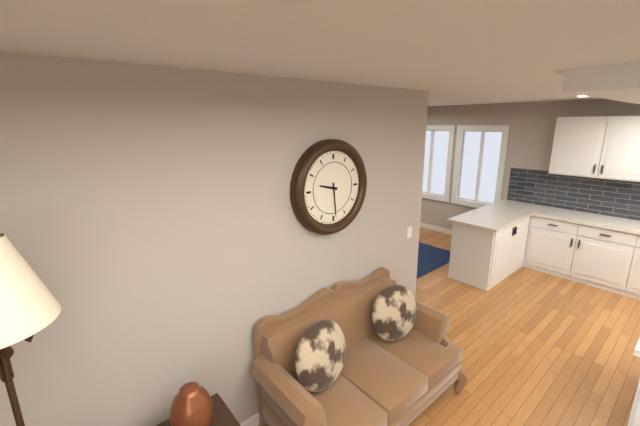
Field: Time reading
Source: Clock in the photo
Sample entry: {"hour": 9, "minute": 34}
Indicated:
{"hour": 9, "minute": 29}
